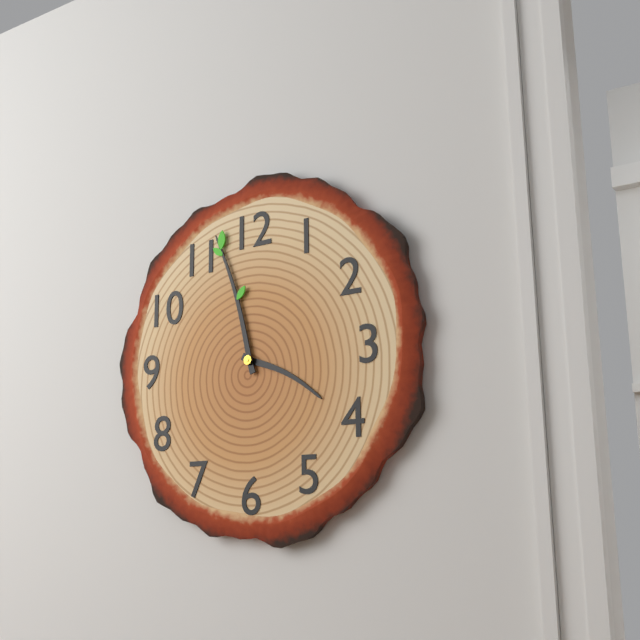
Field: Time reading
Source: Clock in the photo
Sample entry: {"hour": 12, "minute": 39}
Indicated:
{"hour": 3, "minute": 57}
